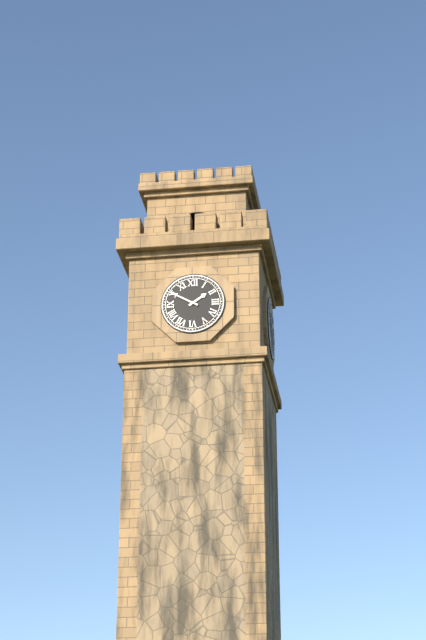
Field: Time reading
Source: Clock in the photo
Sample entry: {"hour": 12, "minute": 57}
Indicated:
{"hour": 1, "minute": 50}
